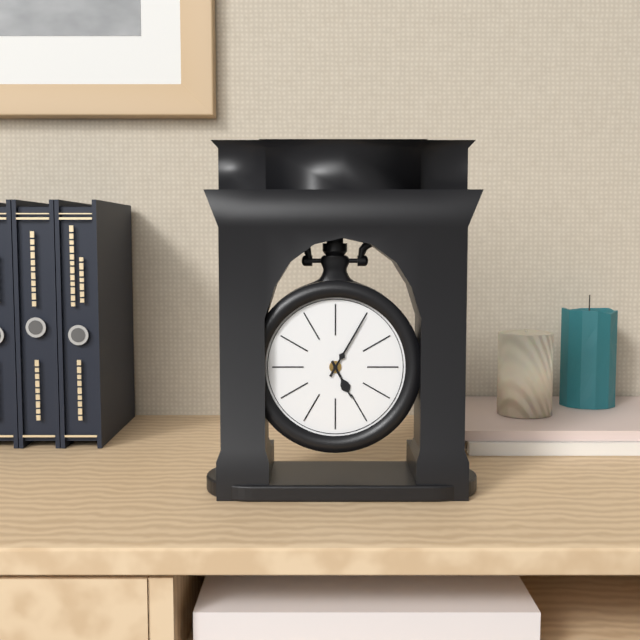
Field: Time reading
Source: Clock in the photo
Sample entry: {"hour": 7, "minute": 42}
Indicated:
{"hour": 5, "minute": 5}
